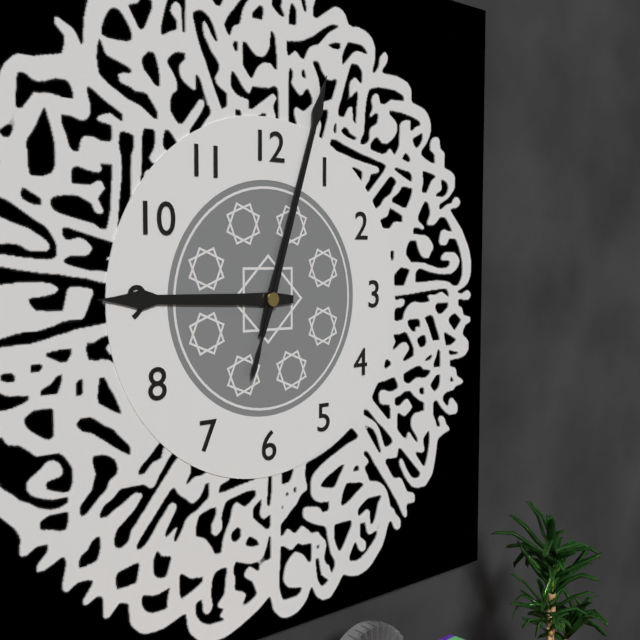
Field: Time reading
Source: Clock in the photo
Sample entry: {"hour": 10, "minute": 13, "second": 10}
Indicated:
{"hour": 9, "minute": 3, "second": 3}
